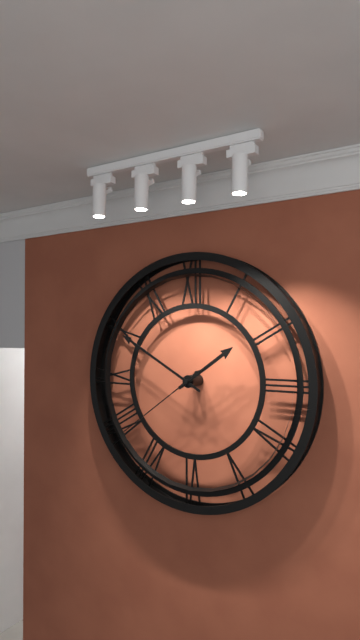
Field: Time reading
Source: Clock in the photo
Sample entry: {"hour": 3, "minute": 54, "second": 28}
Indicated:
{"hour": 1, "minute": 50, "second": 39}
